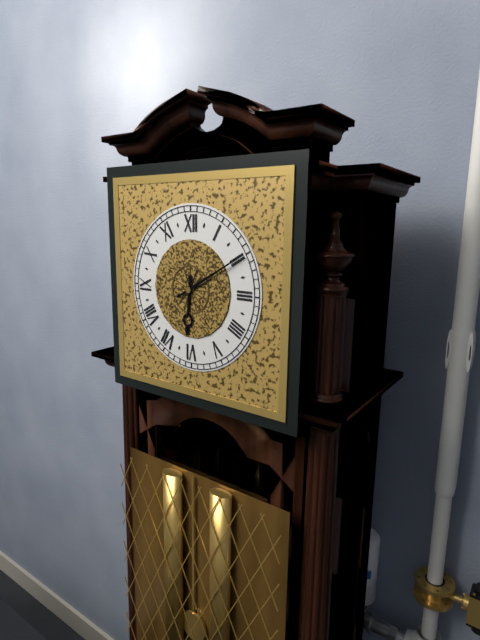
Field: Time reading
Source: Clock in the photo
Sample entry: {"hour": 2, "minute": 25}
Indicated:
{"hour": 6, "minute": 10}
